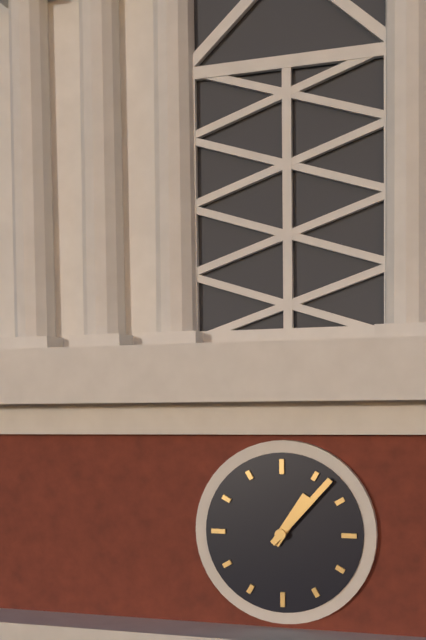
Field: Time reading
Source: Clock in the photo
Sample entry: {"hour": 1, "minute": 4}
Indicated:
{"hour": 1, "minute": 7}
